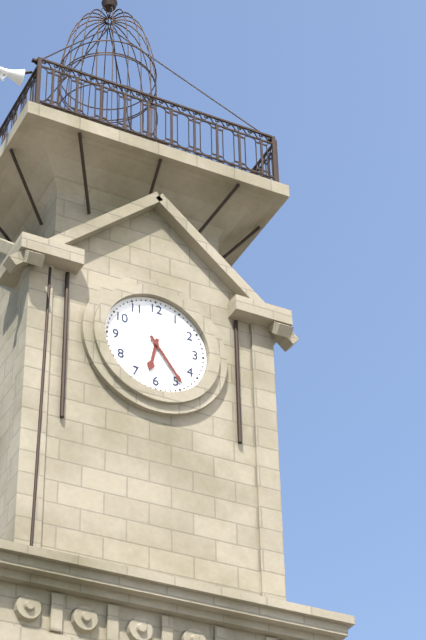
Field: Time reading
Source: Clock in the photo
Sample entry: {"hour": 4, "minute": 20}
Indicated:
{"hour": 6, "minute": 24}
